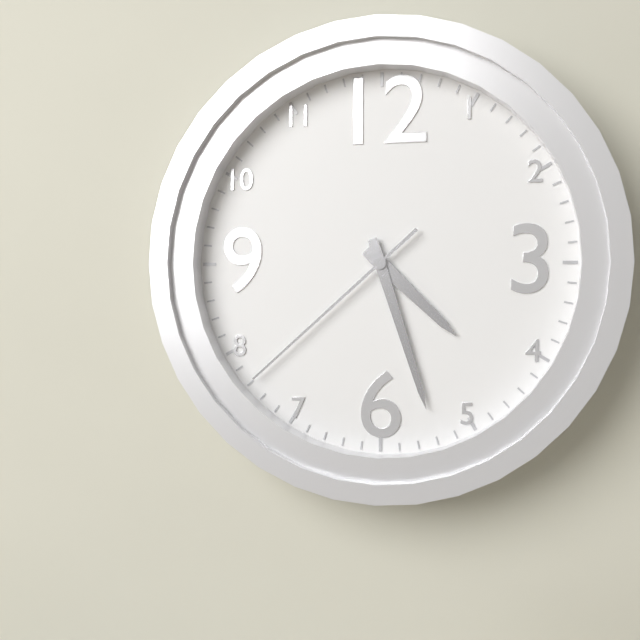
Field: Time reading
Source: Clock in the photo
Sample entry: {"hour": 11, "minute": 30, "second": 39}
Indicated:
{"hour": 4, "minute": 27, "second": 38}
